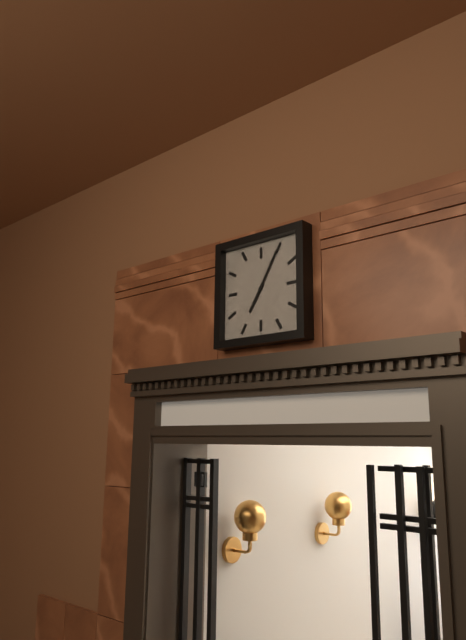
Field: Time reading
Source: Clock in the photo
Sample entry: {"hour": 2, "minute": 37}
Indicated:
{"hour": 7, "minute": 5}
